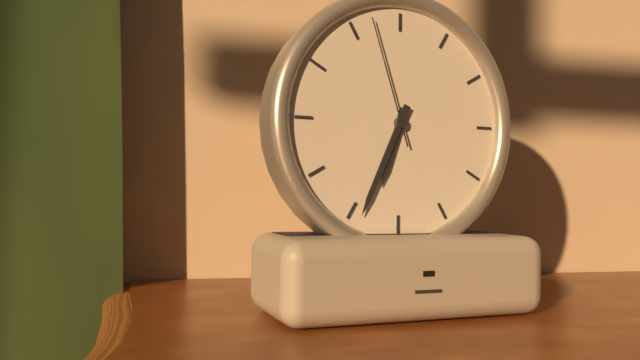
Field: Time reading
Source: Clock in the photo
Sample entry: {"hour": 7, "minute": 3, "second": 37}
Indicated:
{"hour": 6, "minute": 34, "second": 57}
